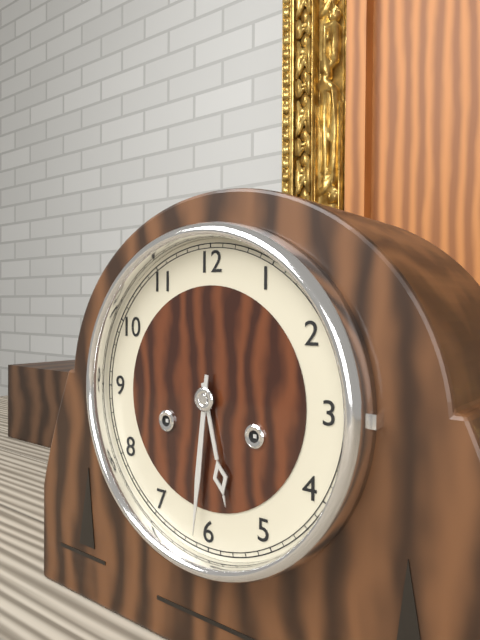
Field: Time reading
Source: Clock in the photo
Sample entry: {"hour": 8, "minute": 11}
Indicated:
{"hour": 5, "minute": 31}
